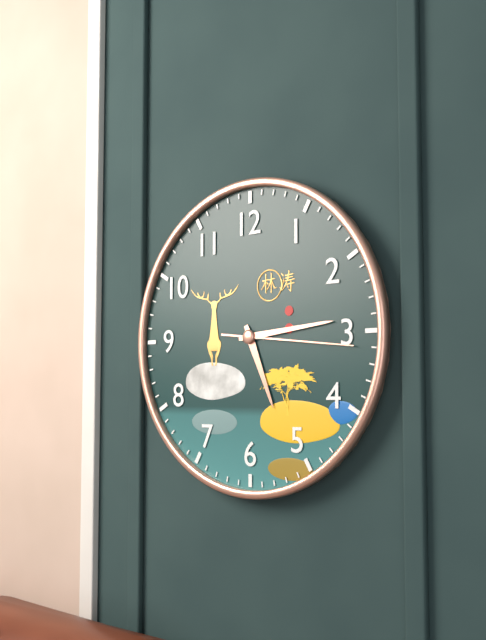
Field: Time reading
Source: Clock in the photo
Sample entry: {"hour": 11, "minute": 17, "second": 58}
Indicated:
{"hour": 5, "minute": 14, "second": 16}
